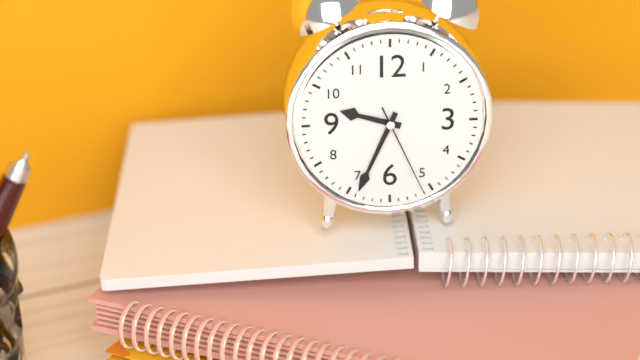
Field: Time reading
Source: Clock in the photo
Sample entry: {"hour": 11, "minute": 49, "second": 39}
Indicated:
{"hour": 9, "minute": 34, "second": 26}
